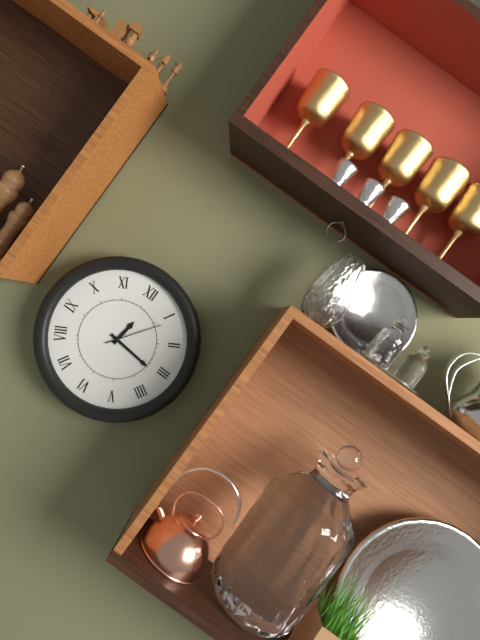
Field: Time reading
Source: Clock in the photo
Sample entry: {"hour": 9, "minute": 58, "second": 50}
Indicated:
{"hour": 12, "minute": 16, "second": 6}
